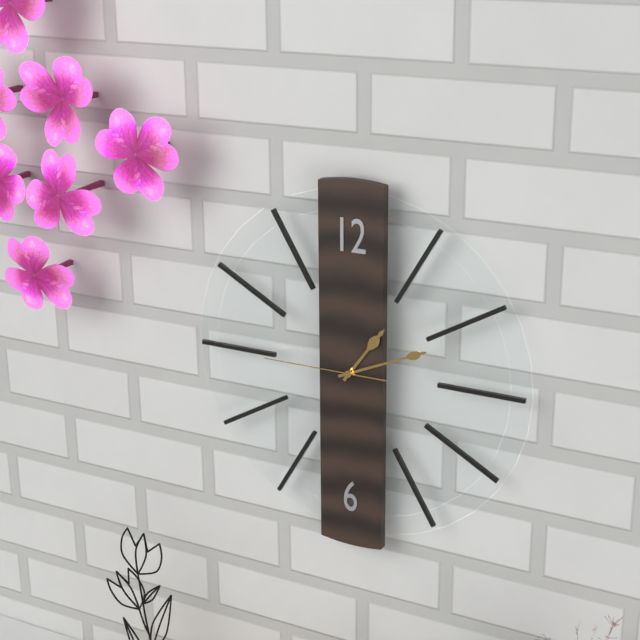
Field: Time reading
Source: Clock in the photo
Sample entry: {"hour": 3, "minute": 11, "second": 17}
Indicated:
{"hour": 1, "minute": 11, "second": 45}
